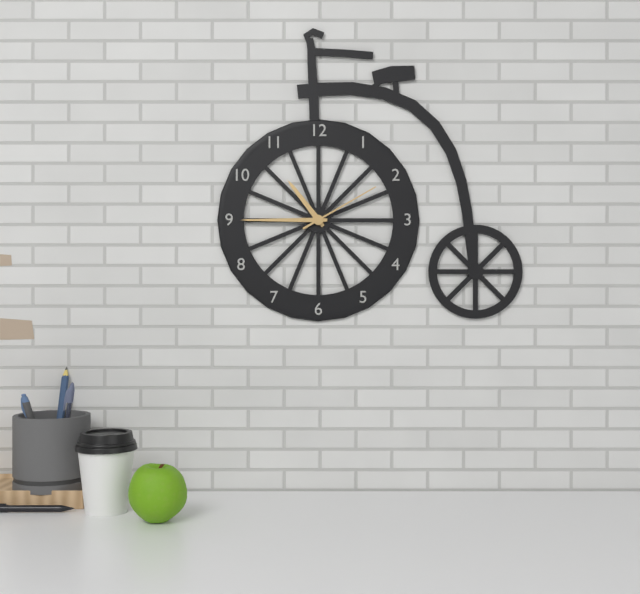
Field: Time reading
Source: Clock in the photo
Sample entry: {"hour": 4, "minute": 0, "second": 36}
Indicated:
{"hour": 10, "minute": 45, "second": 10}
